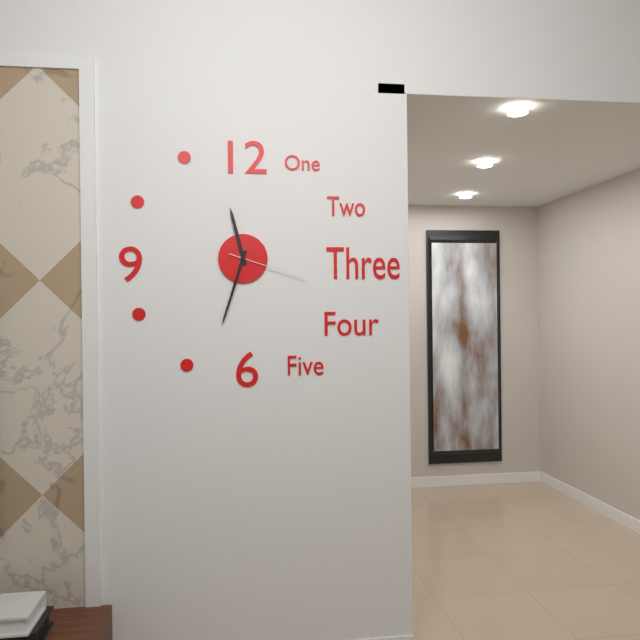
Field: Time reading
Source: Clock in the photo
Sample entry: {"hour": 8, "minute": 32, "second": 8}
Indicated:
{"hour": 11, "minute": 33, "second": 18}
